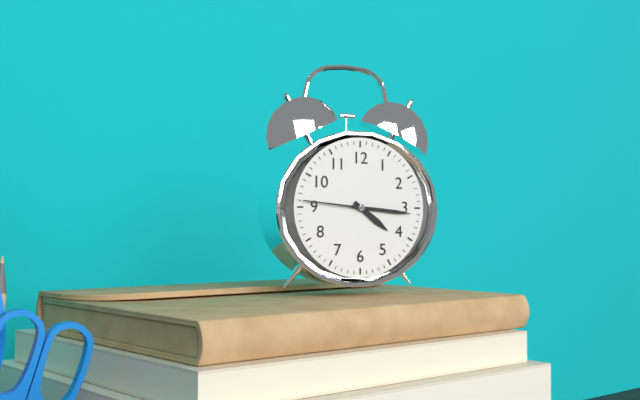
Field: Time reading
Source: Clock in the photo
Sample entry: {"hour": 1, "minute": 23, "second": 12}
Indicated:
{"hour": 4, "minute": 16, "second": 46}
